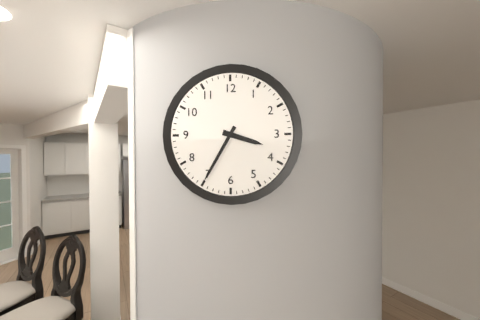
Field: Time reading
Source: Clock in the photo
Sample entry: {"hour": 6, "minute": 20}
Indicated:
{"hour": 3, "minute": 35}
